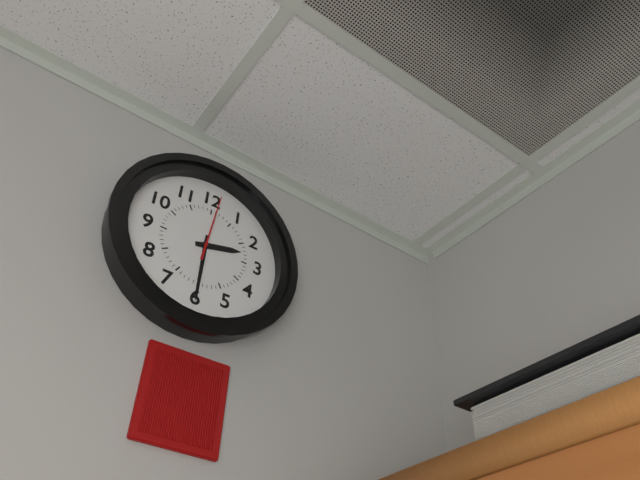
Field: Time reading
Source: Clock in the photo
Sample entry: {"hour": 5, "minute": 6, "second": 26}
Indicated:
{"hour": 2, "minute": 30, "second": 1}
